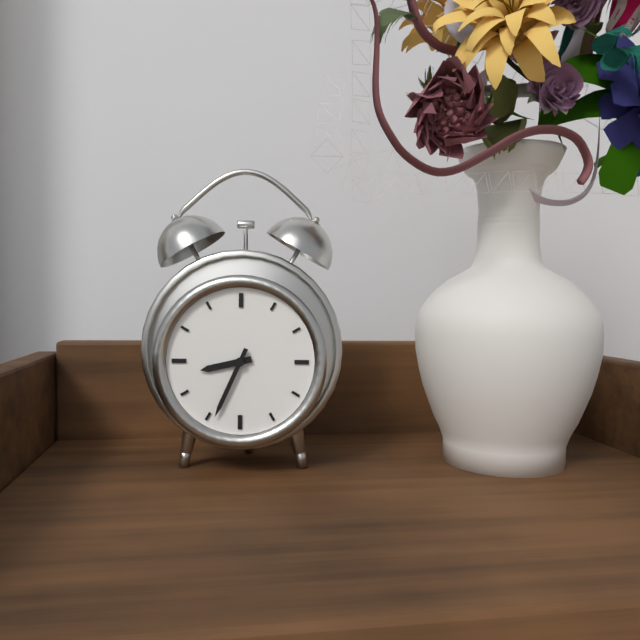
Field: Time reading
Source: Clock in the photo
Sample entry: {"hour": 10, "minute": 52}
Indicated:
{"hour": 8, "minute": 34}
